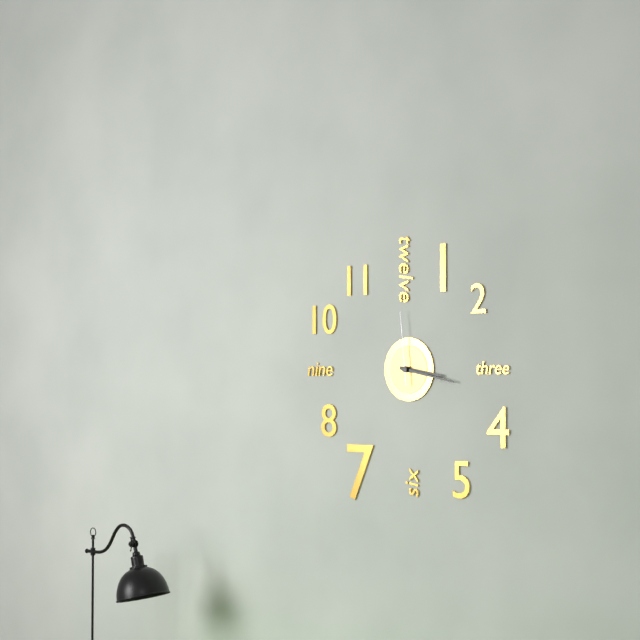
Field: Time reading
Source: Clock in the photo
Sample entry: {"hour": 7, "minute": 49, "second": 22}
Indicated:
{"hour": 3, "minute": 17, "second": 59}
